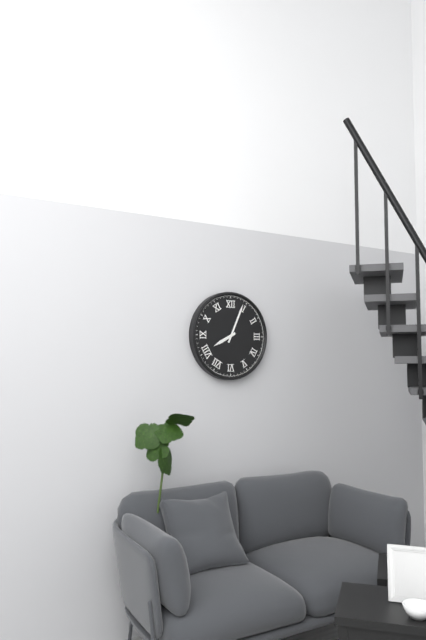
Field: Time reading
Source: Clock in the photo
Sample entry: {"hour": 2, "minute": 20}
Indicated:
{"hour": 8, "minute": 4}
